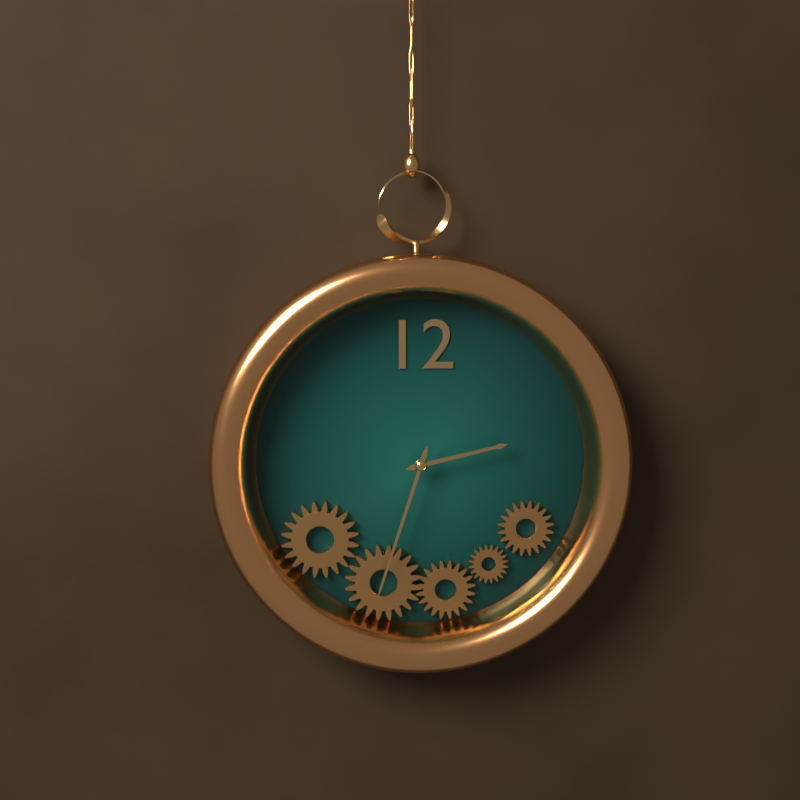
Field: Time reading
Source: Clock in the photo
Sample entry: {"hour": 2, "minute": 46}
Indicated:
{"hour": 2, "minute": 33}
